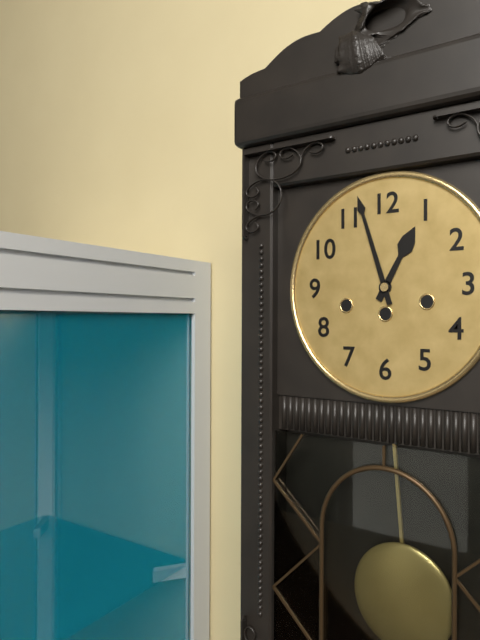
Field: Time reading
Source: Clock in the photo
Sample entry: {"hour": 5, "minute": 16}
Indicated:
{"hour": 12, "minute": 57}
